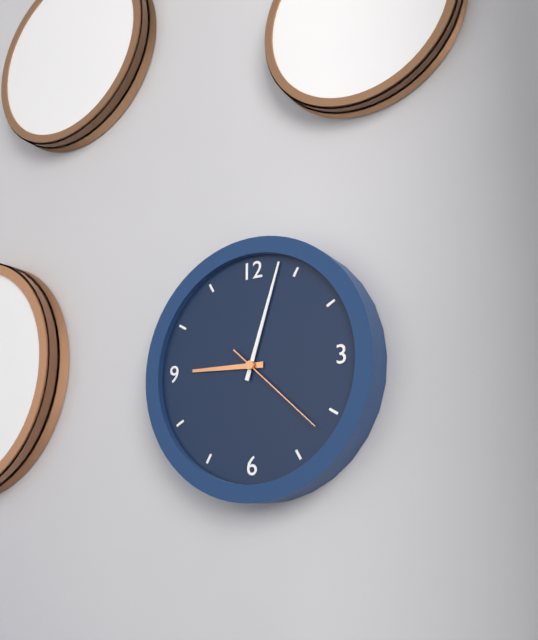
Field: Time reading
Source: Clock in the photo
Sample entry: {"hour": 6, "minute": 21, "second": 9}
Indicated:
{"hour": 9, "minute": 3, "second": 22}
